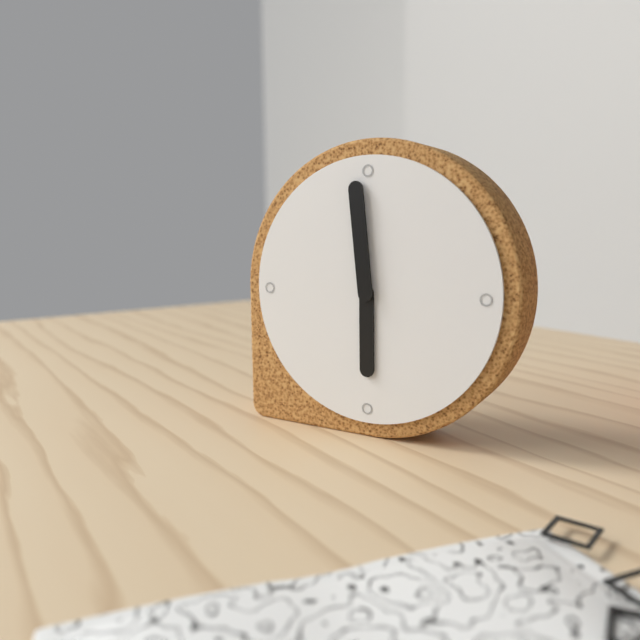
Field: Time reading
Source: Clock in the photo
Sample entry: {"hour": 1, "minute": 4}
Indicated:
{"hour": 5, "minute": 59}
